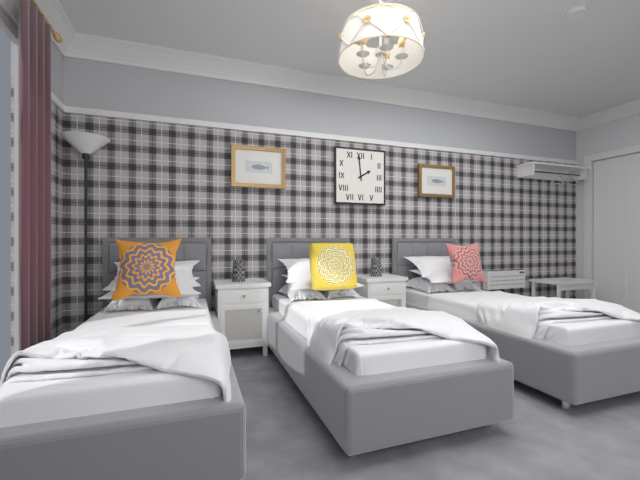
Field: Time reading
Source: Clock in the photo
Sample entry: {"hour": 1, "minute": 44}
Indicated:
{"hour": 1, "minute": 59}
